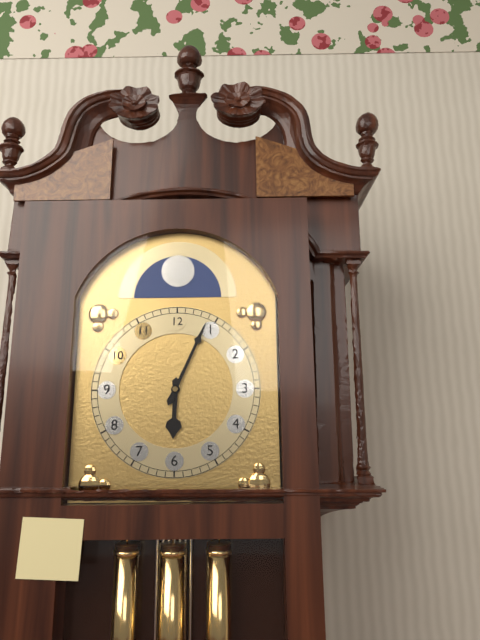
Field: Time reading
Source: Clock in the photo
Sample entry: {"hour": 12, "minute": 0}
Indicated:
{"hour": 6, "minute": 4}
